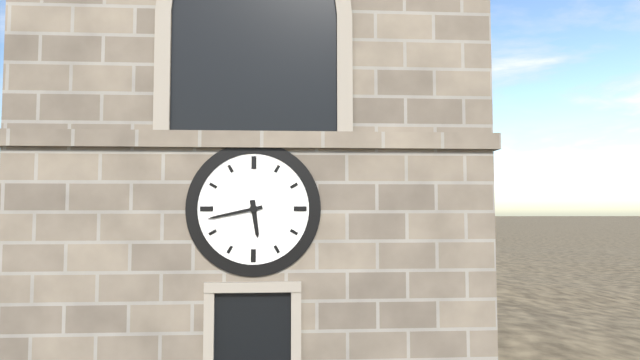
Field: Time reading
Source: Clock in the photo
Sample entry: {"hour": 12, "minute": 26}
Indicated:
{"hour": 5, "minute": 43}
